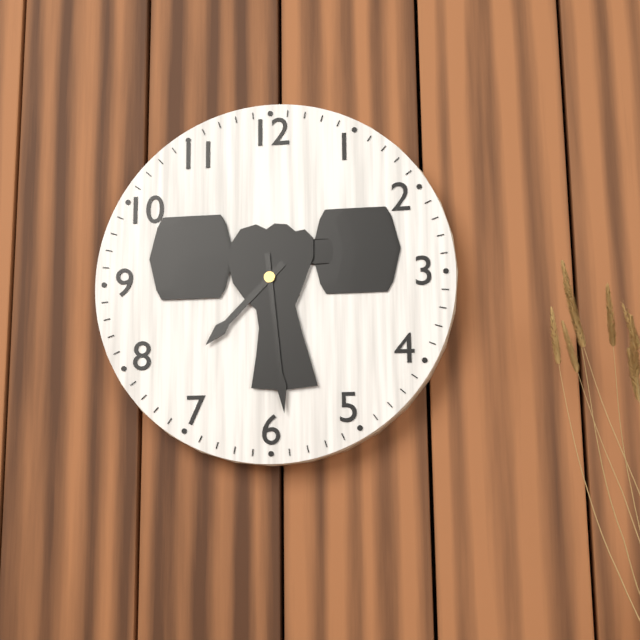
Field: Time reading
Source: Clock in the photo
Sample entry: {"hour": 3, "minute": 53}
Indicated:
{"hour": 7, "minute": 29}
